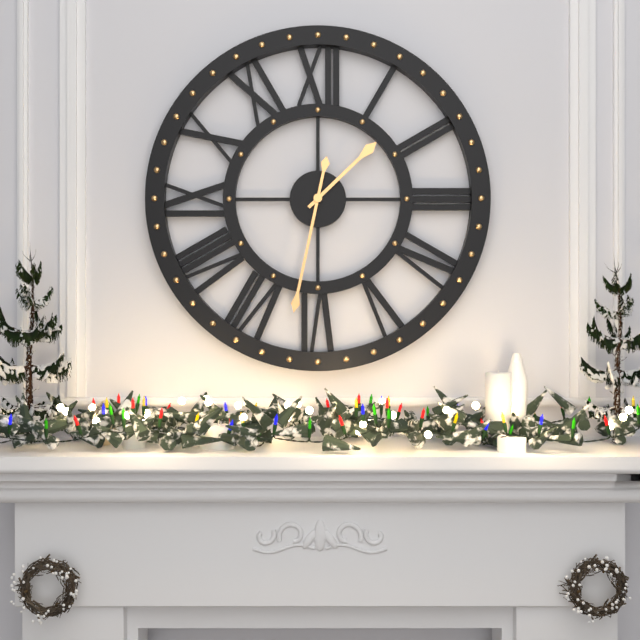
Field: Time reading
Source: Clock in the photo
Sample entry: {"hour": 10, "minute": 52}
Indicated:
{"hour": 1, "minute": 32}
